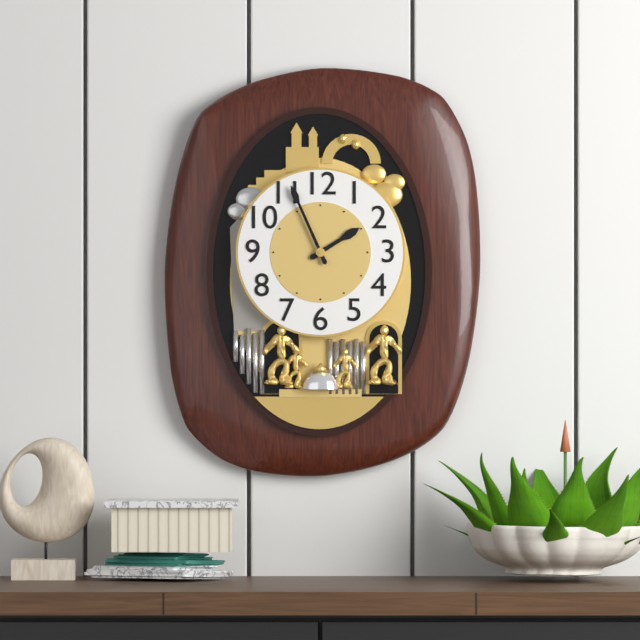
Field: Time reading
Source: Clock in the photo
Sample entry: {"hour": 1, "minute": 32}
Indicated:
{"hour": 1, "minute": 56}
